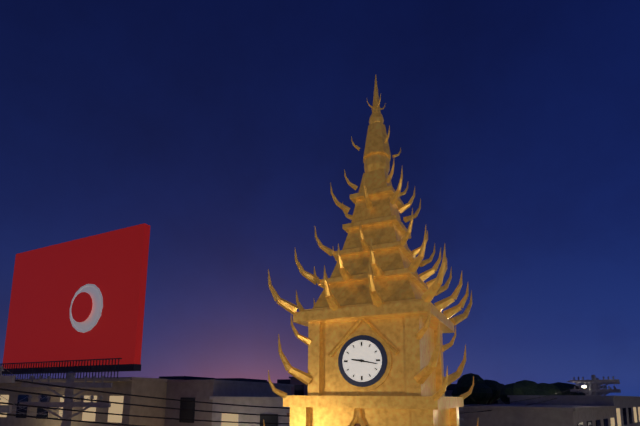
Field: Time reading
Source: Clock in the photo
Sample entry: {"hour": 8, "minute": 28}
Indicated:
{"hour": 9, "minute": 17}
